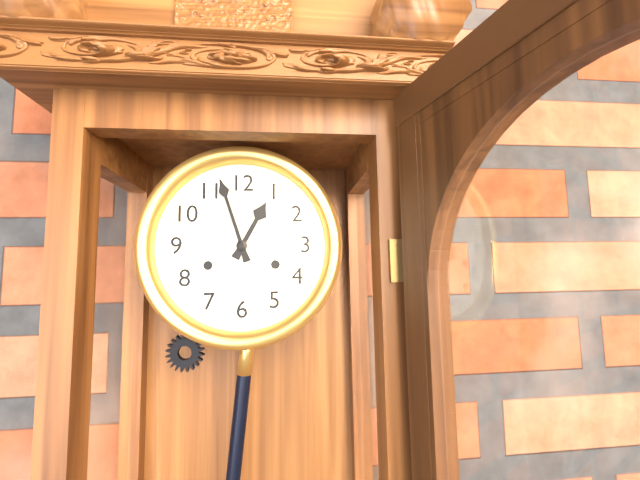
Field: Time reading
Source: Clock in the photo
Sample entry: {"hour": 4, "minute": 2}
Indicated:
{"hour": 12, "minute": 57}
